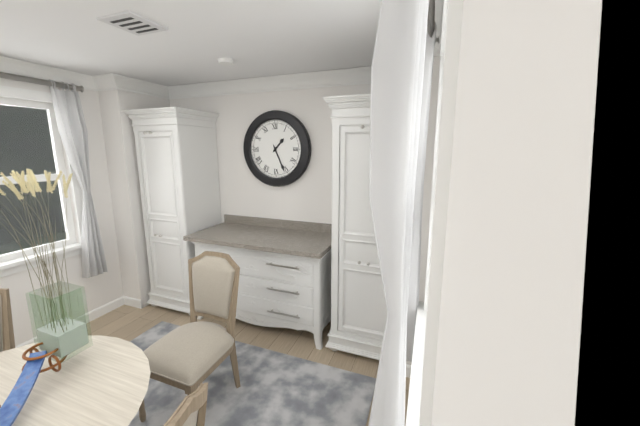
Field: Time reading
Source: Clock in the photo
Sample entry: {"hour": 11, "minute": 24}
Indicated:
{"hour": 1, "minute": 26}
